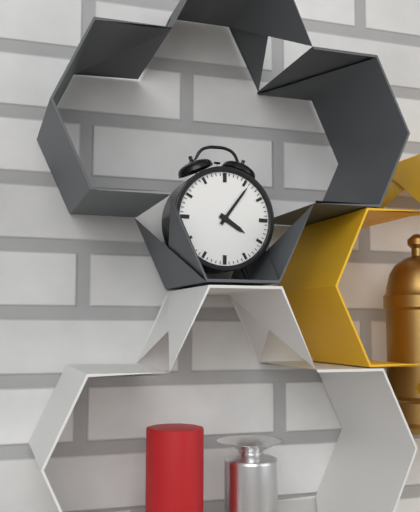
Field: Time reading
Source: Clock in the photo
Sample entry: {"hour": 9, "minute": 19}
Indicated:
{"hour": 4, "minute": 6}
